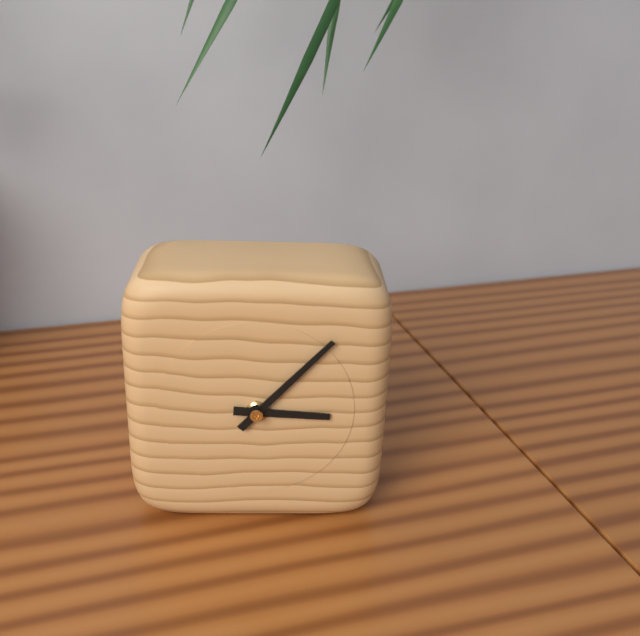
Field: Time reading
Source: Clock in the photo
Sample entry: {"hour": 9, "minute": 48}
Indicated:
{"hour": 3, "minute": 7}
